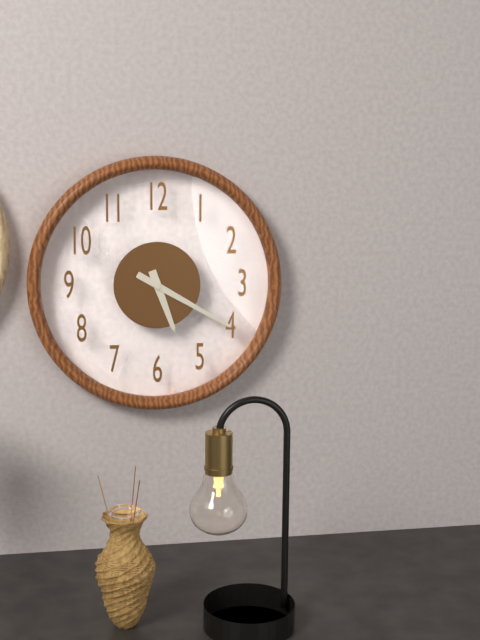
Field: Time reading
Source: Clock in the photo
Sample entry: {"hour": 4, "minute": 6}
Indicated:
{"hour": 5, "minute": 20}
